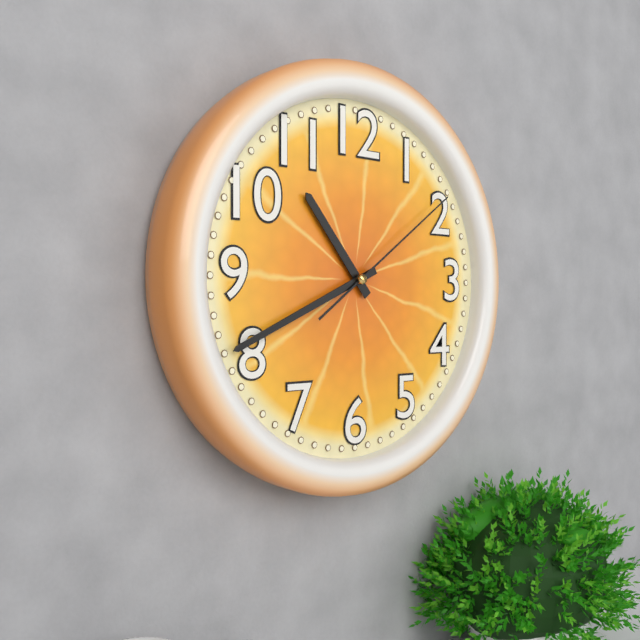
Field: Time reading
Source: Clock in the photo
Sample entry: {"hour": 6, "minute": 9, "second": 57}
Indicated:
{"hour": 10, "minute": 41, "second": 9}
